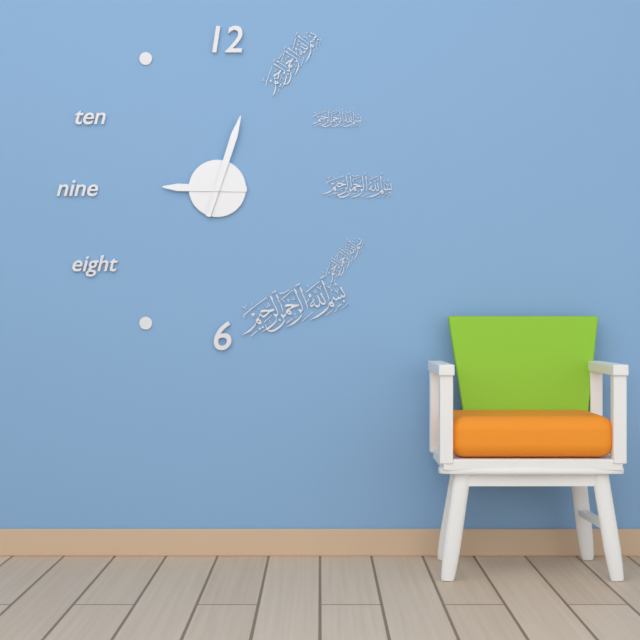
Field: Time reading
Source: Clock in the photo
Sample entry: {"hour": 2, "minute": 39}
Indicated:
{"hour": 9, "minute": 3}
